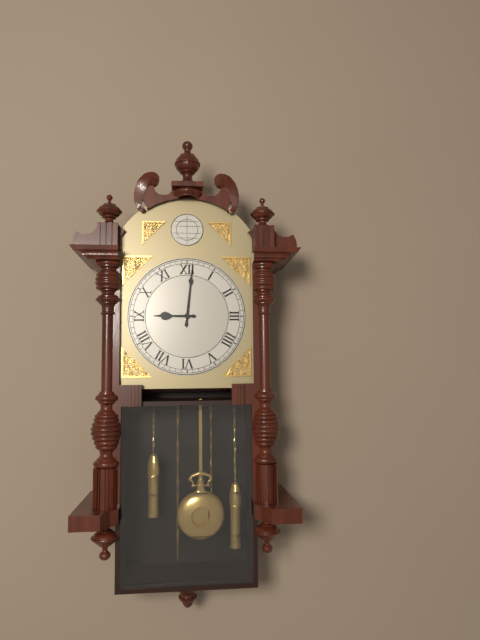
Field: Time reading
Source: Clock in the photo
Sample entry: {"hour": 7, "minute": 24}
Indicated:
{"hour": 9, "minute": 1}
